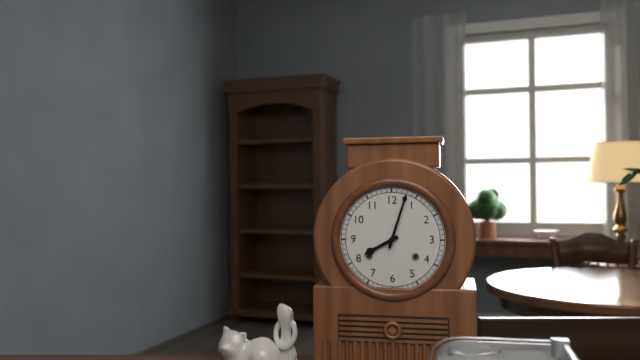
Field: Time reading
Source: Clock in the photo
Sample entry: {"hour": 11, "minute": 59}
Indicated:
{"hour": 8, "minute": 3}
